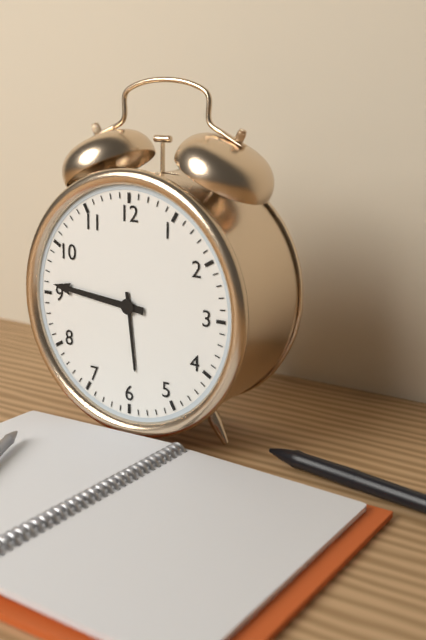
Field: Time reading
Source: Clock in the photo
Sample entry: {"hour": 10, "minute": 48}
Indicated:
{"hour": 5, "minute": 46}
